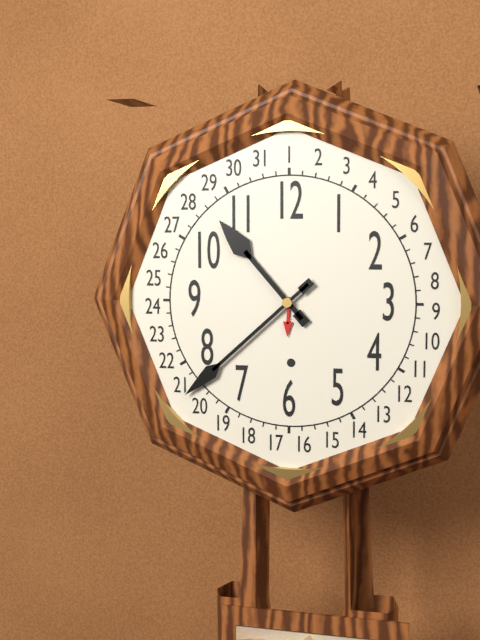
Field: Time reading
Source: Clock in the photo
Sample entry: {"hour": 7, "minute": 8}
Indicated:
{"hour": 10, "minute": 38}
